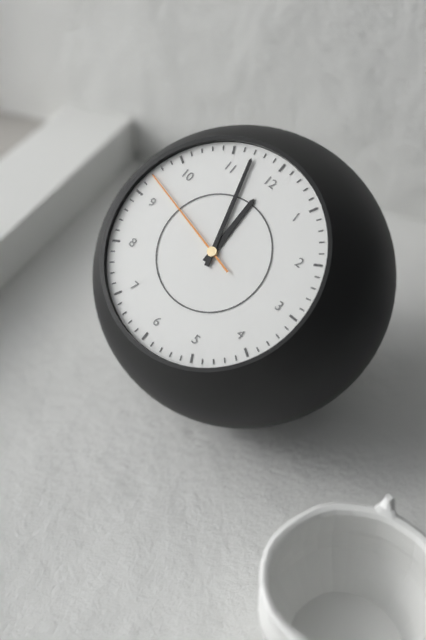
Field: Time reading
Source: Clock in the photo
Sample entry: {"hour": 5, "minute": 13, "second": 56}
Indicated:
{"hour": 11, "minute": 57, "second": 47}
